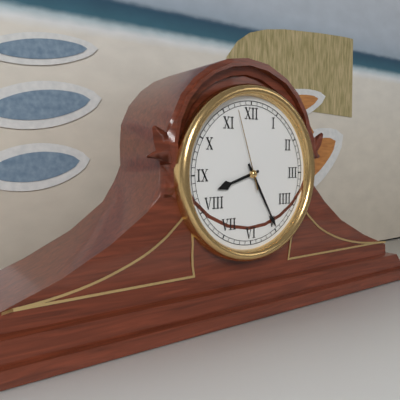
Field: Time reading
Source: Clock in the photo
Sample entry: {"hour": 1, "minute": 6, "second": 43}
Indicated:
{"hour": 8, "minute": 25, "second": 57}
